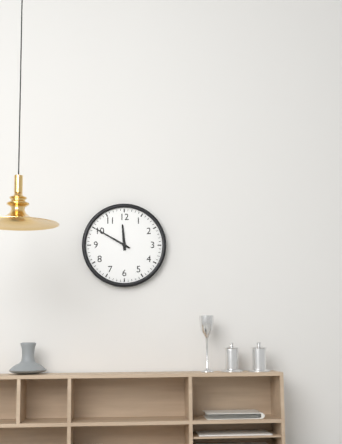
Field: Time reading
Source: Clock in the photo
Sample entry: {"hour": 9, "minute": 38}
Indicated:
{"hour": 11, "minute": 50}
